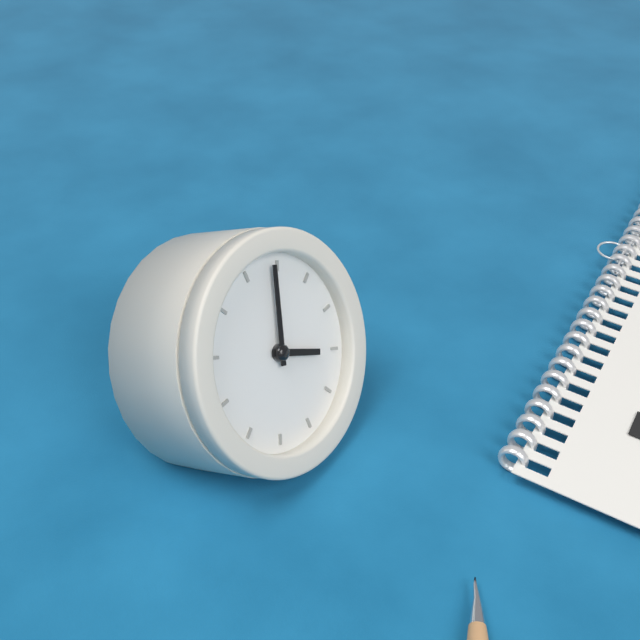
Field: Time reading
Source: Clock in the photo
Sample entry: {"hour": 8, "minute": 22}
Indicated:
{"hour": 4, "minute": 4}
